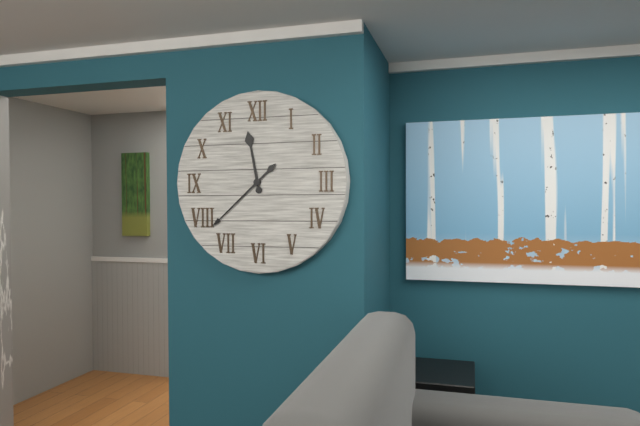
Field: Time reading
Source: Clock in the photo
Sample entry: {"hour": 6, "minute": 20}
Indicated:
{"hour": 11, "minute": 38}
